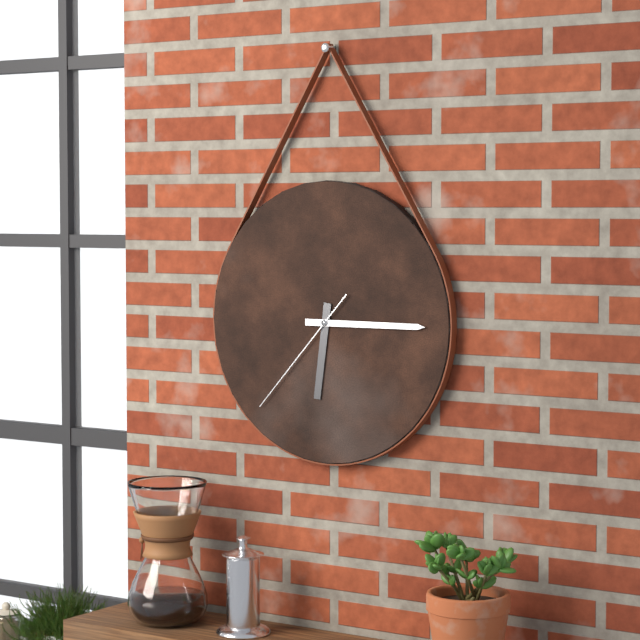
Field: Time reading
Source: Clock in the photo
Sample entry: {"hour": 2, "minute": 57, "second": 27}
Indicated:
{"hour": 6, "minute": 15, "second": 37}
